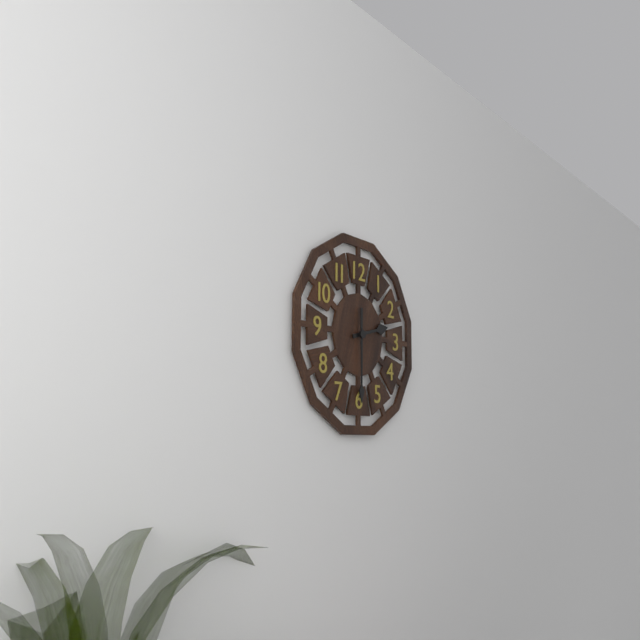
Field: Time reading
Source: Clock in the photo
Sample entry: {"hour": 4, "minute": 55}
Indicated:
{"hour": 2, "minute": 30}
